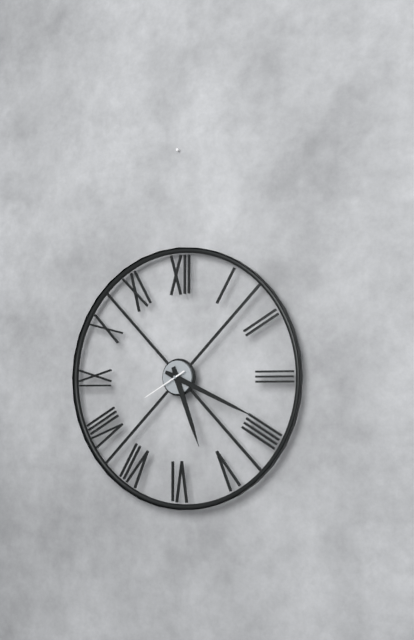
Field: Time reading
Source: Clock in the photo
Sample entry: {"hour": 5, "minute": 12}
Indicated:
{"hour": 5, "minute": 19}
